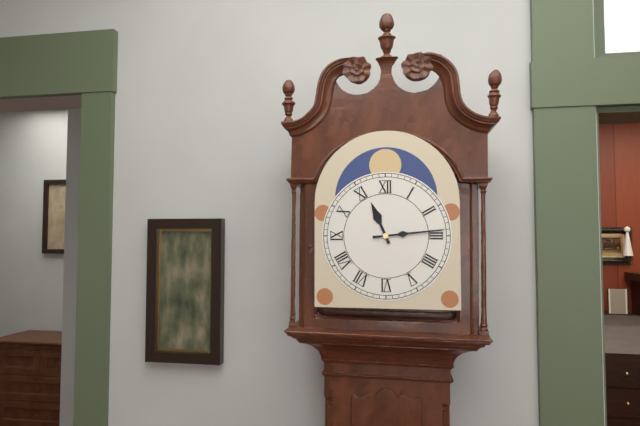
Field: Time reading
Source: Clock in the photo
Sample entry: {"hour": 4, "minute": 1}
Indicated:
{"hour": 11, "minute": 14}
